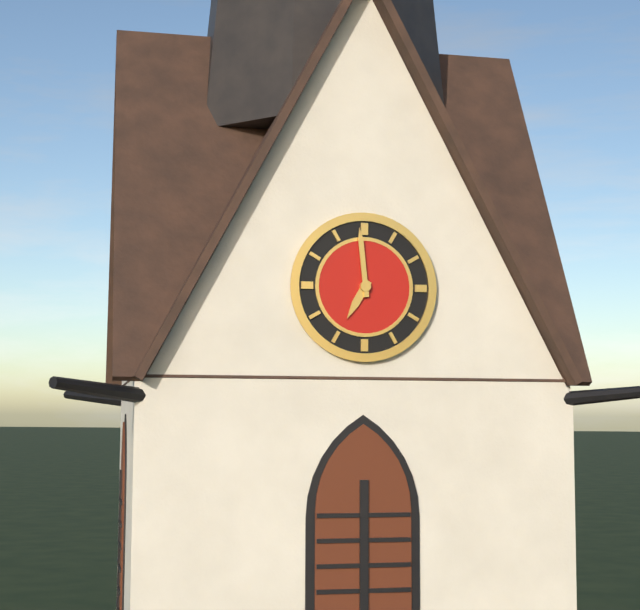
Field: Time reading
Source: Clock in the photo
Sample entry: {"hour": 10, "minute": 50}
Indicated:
{"hour": 6, "minute": 59}
